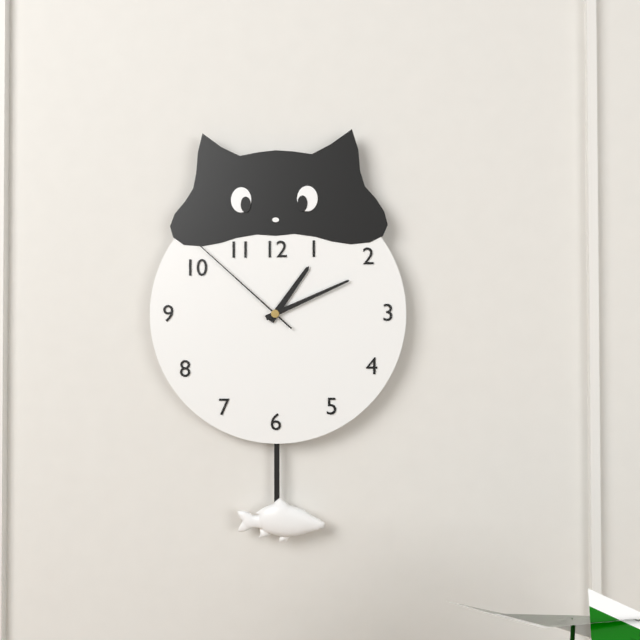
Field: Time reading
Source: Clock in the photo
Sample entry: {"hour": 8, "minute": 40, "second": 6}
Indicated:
{"hour": 1, "minute": 11, "second": 52}
